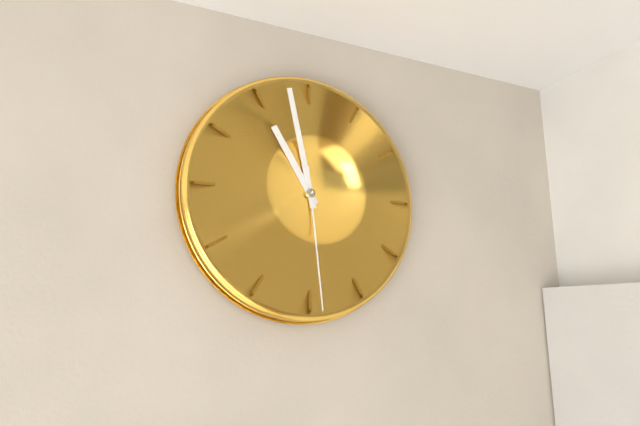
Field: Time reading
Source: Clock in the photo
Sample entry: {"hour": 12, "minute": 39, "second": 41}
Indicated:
{"hour": 10, "minute": 58, "second": 29}
